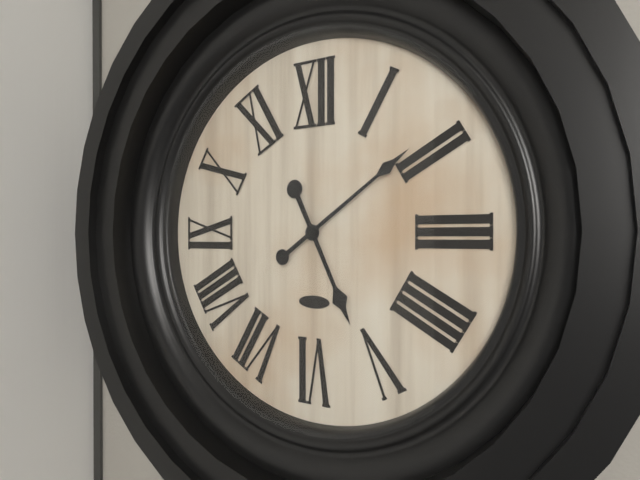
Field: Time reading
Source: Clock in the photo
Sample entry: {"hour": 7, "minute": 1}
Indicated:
{"hour": 5, "minute": 9}
